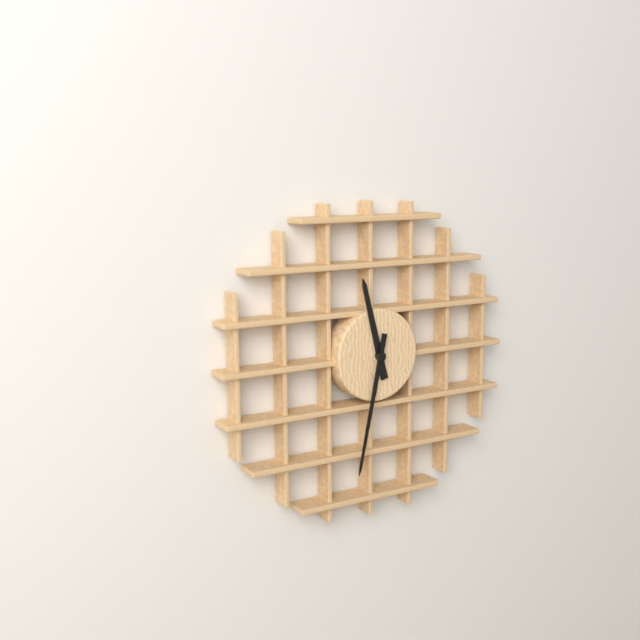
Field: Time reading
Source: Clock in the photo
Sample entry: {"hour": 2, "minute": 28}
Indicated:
{"hour": 11, "minute": 32}
